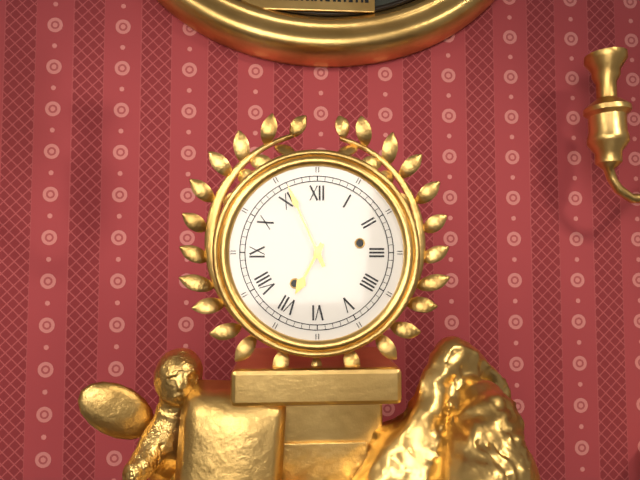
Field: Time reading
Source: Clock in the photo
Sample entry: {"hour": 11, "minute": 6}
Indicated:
{"hour": 6, "minute": 56}
